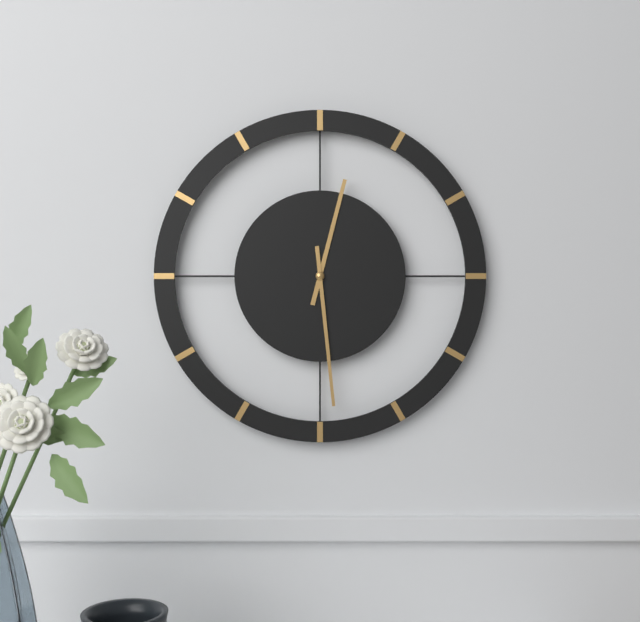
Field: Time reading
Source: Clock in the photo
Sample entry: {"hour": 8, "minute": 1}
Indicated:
{"hour": 12, "minute": 29}
